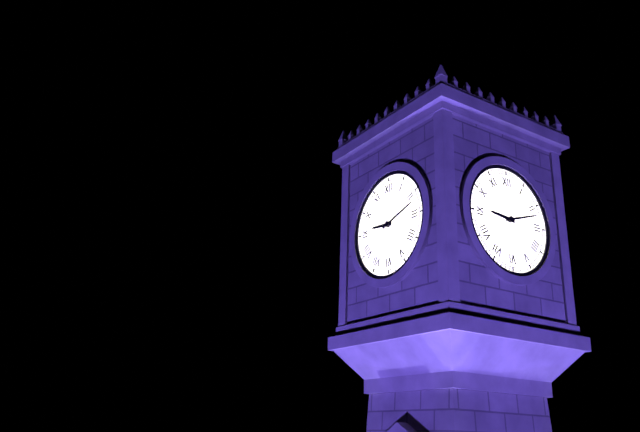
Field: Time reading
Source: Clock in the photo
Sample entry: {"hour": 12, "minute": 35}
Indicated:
{"hour": 9, "minute": 12}
